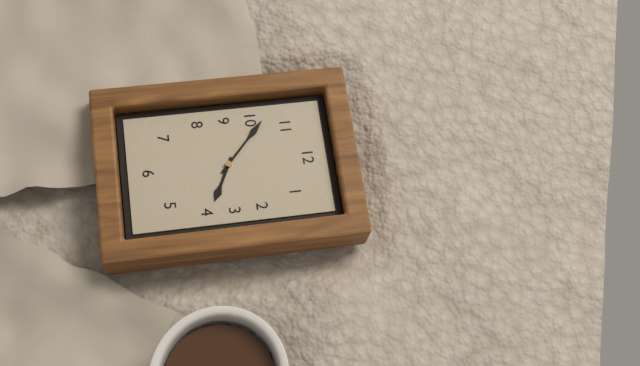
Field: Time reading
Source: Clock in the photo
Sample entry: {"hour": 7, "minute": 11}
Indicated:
{"hour": 3, "minute": 52}
